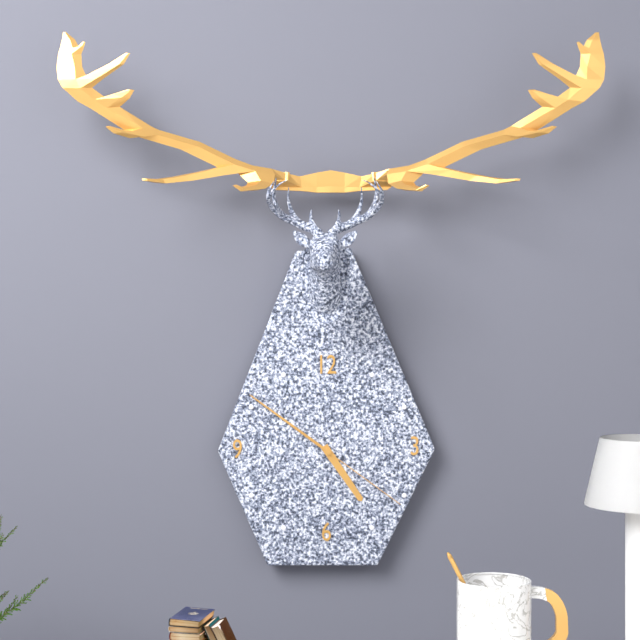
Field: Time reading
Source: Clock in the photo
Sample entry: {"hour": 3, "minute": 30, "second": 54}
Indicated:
{"hour": 4, "minute": 51, "second": 21}
